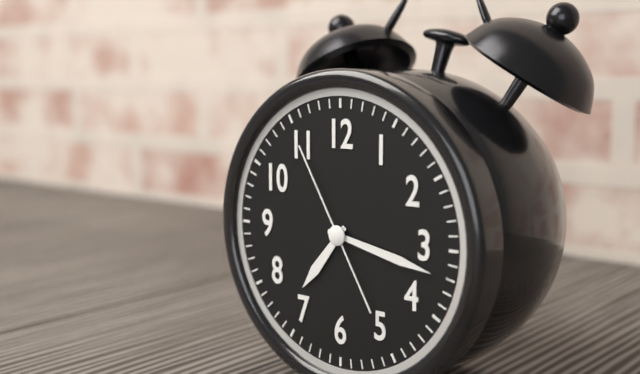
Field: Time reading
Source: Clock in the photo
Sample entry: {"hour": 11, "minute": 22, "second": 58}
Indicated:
{"hour": 7, "minute": 17, "second": 55}
